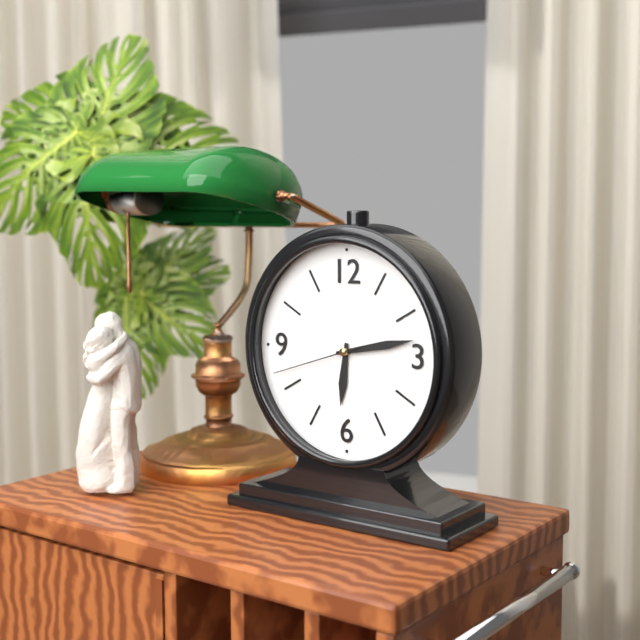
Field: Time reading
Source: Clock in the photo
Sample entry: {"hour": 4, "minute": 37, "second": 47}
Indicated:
{"hour": 6, "minute": 13, "second": 42}
